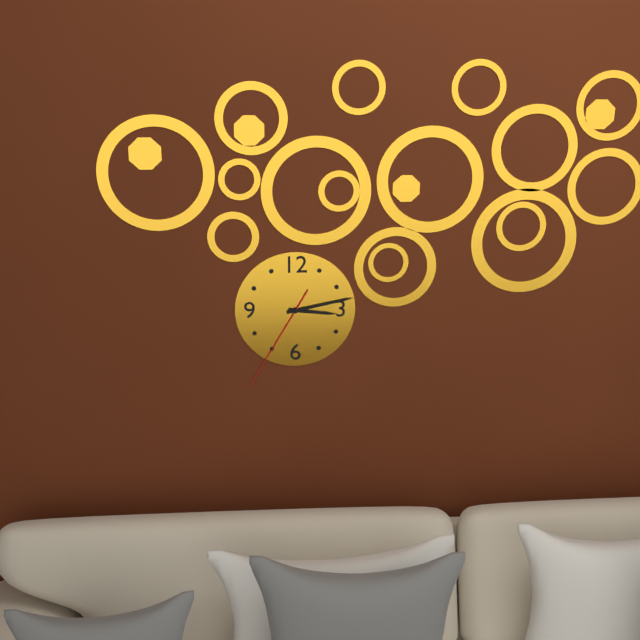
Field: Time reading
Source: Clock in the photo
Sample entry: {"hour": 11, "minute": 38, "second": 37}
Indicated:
{"hour": 3, "minute": 13, "second": 35}
